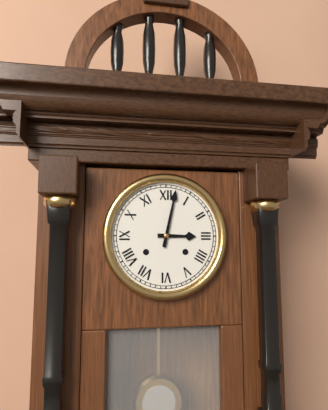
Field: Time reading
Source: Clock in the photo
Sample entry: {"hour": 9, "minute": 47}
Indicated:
{"hour": 3, "minute": 2}
